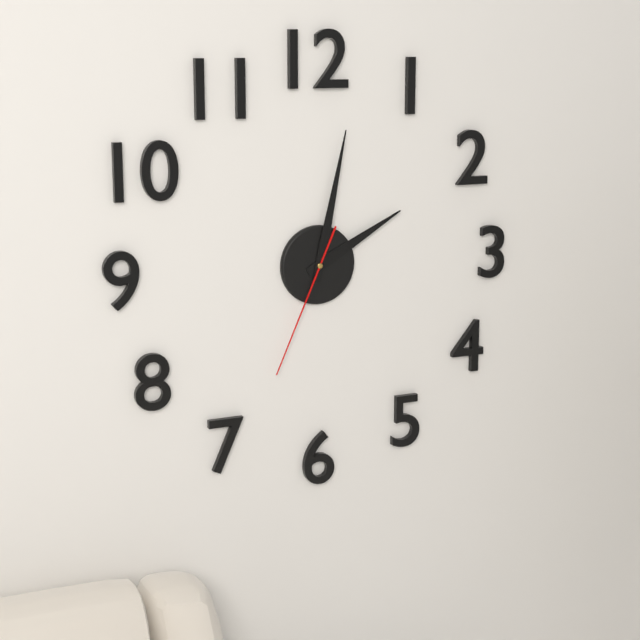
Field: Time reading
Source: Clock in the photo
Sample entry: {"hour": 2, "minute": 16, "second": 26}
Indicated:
{"hour": 2, "minute": 2, "second": 34}
